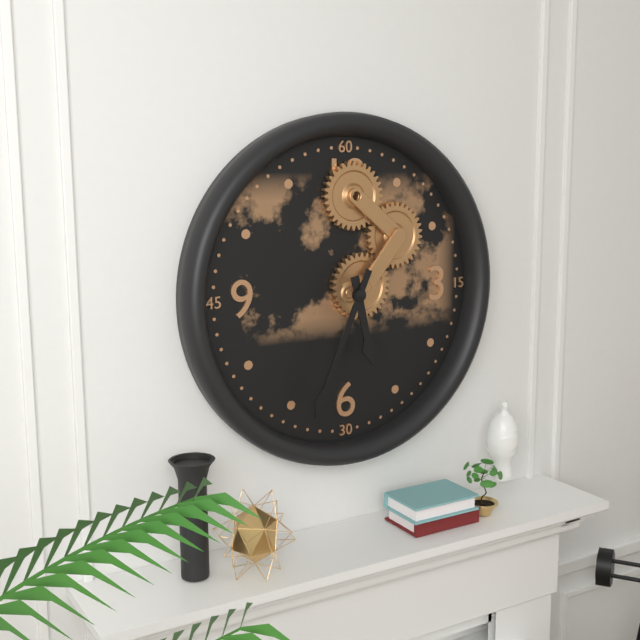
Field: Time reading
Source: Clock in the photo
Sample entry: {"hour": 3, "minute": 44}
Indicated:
{"hour": 5, "minute": 34}
